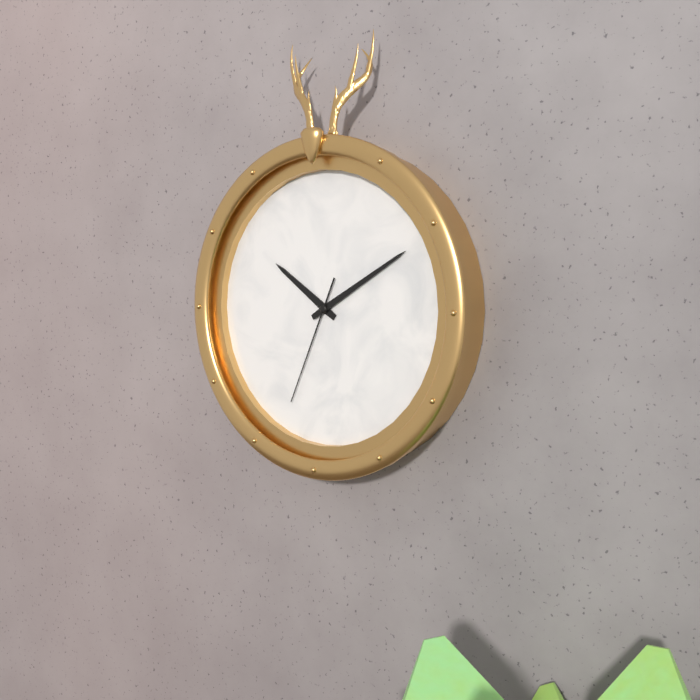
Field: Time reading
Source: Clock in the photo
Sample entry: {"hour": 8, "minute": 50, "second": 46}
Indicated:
{"hour": 10, "minute": 10, "second": 34}
